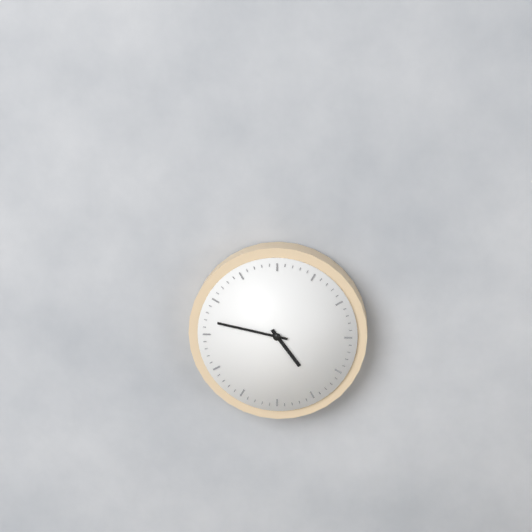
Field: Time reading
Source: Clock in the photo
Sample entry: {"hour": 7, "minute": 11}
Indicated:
{"hour": 4, "minute": 47}
